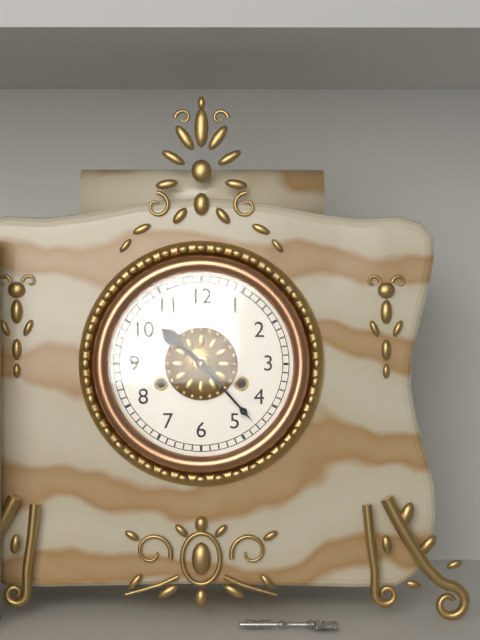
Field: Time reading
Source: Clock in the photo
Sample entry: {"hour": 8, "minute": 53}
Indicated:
{"hour": 10, "minute": 23}
